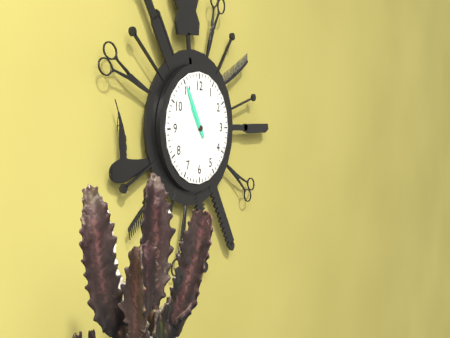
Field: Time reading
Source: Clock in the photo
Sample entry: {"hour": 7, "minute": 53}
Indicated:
{"hour": 10, "minute": 55}
